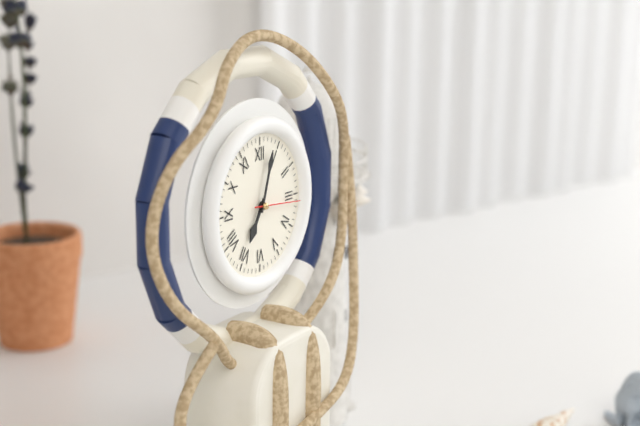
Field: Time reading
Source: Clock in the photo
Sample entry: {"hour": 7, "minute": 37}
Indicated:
{"hour": 7, "minute": 3}
